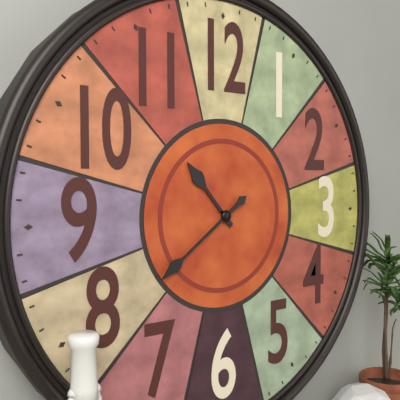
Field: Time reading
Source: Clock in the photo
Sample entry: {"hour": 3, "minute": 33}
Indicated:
{"hour": 10, "minute": 39}
